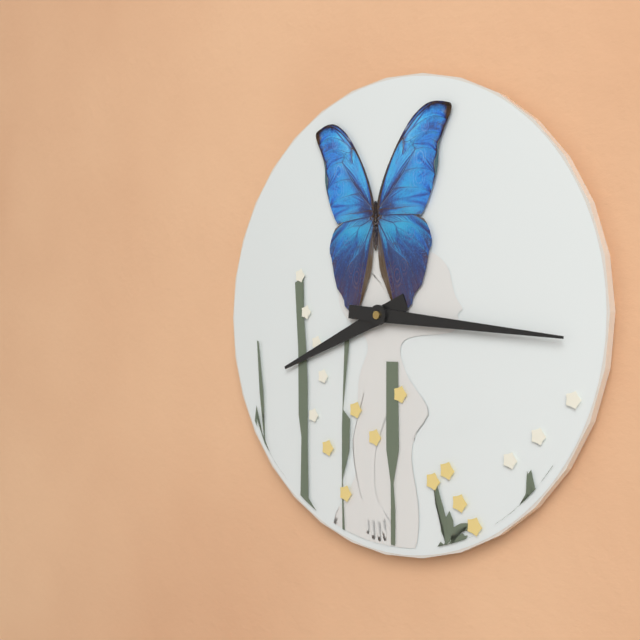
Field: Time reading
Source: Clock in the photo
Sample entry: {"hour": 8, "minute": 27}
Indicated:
{"hour": 8, "minute": 16}
